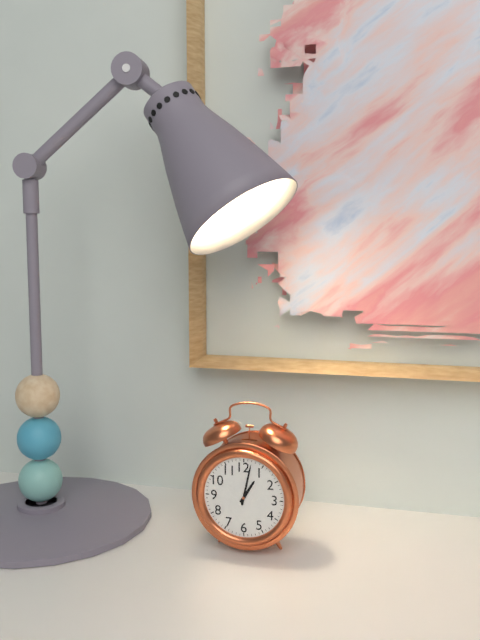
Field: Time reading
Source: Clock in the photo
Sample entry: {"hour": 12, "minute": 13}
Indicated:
{"hour": 1, "minute": 2}
